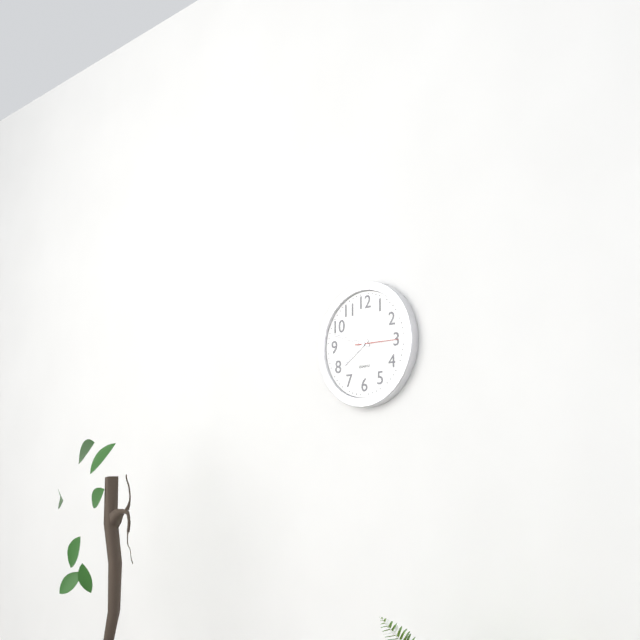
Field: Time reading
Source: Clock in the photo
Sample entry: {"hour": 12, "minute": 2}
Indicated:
{"hour": 7, "minute": 48}
